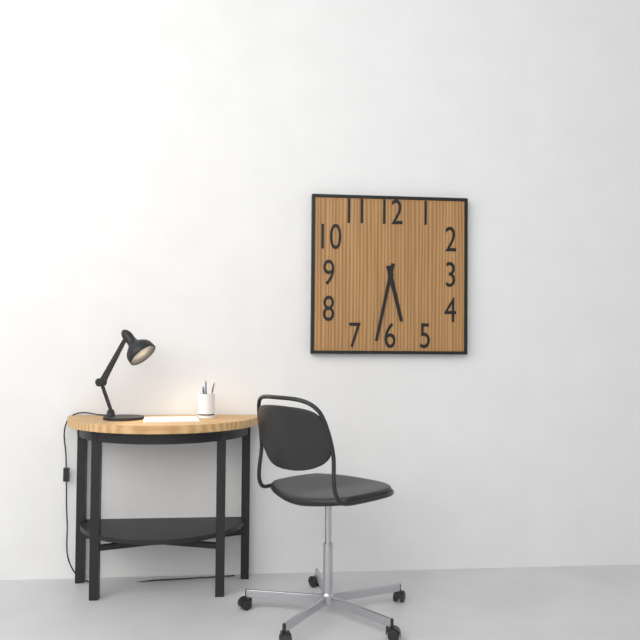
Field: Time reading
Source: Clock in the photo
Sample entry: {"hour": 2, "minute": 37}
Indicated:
{"hour": 5, "minute": 32}
